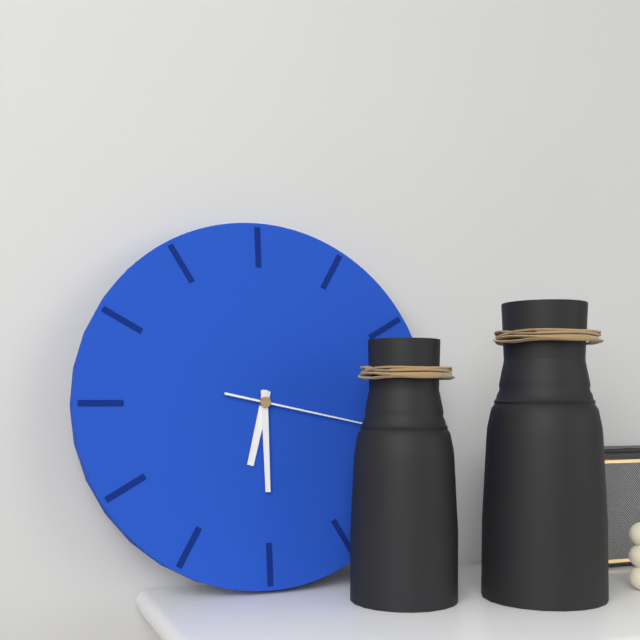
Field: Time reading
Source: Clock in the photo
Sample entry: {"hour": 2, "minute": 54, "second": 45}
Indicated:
{"hour": 6, "minute": 30, "second": 17}
